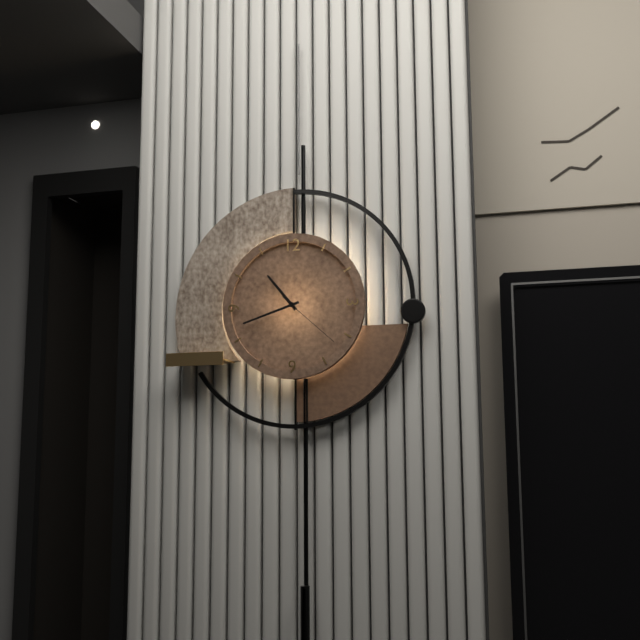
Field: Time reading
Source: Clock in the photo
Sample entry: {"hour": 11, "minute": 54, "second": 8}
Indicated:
{"hour": 10, "minute": 42, "second": 22}
